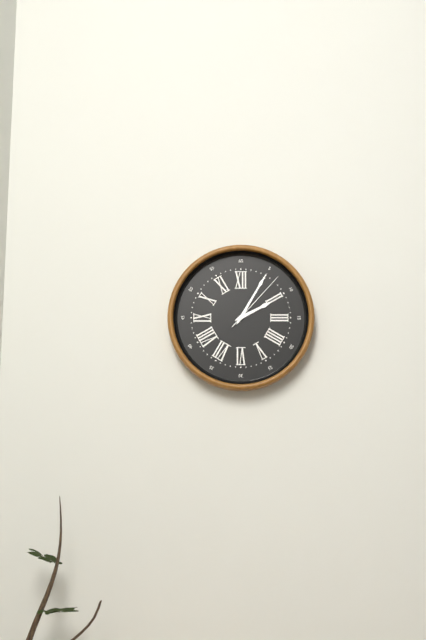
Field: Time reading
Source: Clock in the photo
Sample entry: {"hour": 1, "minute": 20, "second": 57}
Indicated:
{"hour": 2, "minute": 5, "second": 7}
